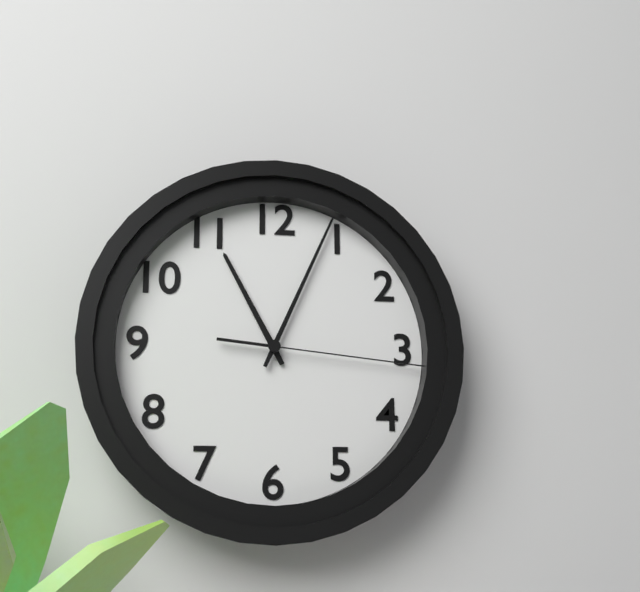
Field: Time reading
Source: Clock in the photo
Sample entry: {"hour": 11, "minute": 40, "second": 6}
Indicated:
{"hour": 11, "minute": 4, "second": 16}
